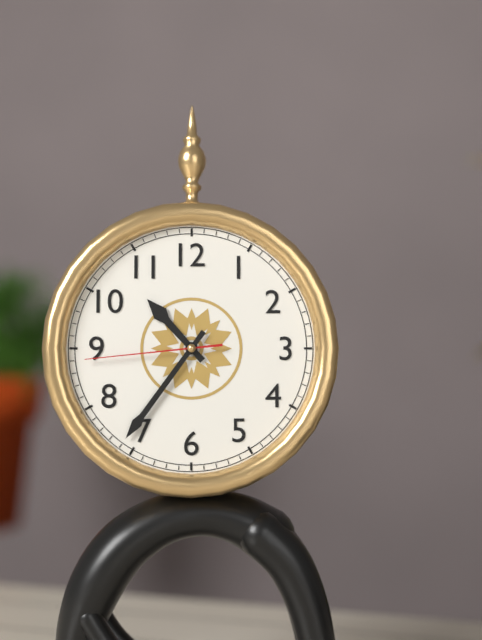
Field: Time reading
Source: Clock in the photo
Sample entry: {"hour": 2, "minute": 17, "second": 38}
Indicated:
{"hour": 10, "minute": 36, "second": 44}
